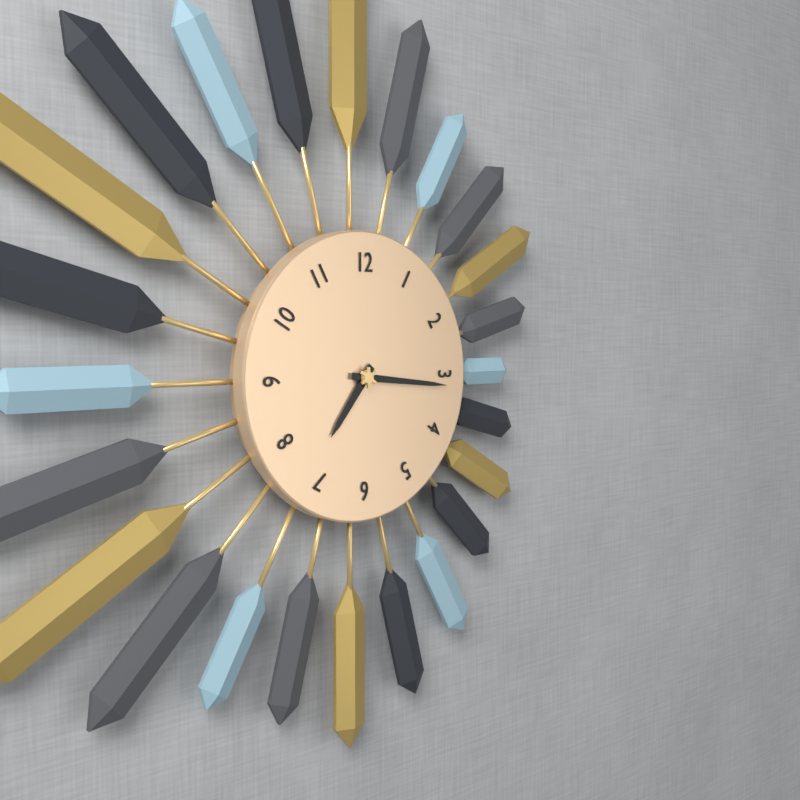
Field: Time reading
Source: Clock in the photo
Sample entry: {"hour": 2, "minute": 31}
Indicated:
{"hour": 7, "minute": 16}
